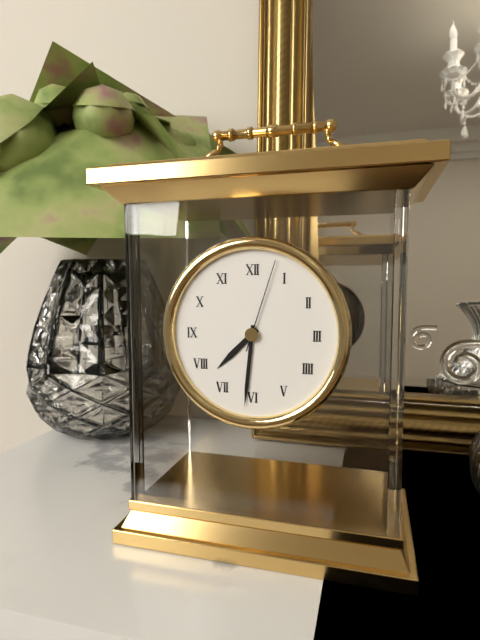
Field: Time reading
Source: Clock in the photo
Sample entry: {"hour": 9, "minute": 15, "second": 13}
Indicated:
{"hour": 7, "minute": 31, "second": 3}
